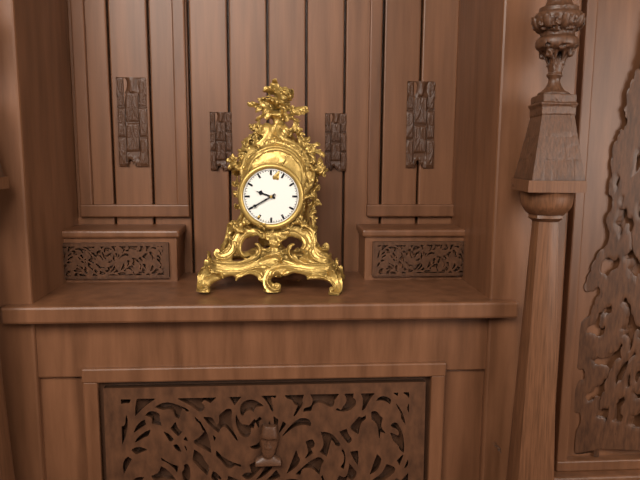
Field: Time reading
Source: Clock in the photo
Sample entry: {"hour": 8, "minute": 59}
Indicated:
{"hour": 9, "minute": 40}
